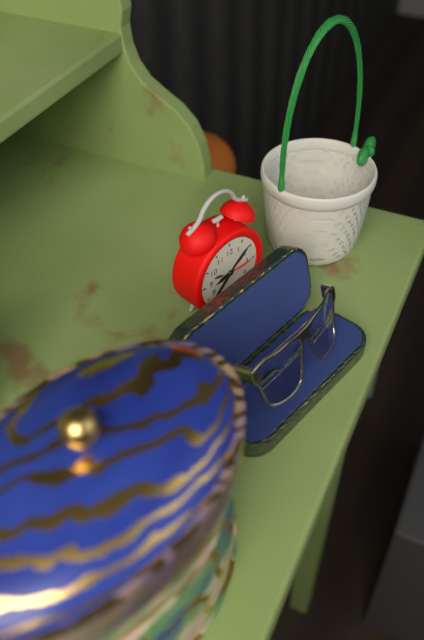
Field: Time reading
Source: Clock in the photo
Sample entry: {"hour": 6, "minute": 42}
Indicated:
{"hour": 8, "minute": 38}
